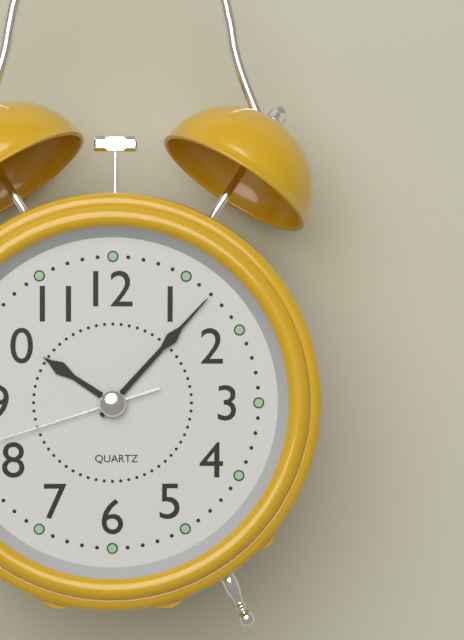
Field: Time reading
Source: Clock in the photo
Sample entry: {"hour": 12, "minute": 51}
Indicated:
{"hour": 10, "minute": 7}
